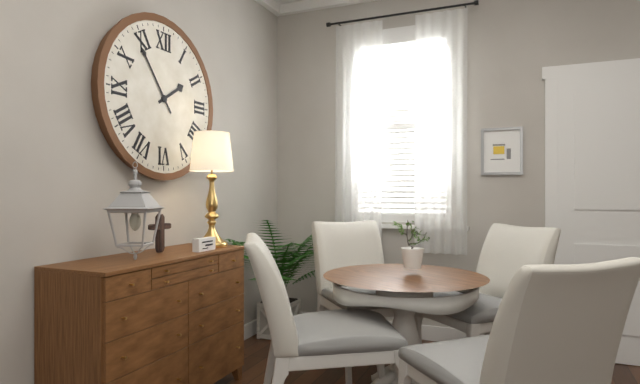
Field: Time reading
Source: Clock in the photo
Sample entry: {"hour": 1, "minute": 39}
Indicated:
{"hour": 1, "minute": 54}
